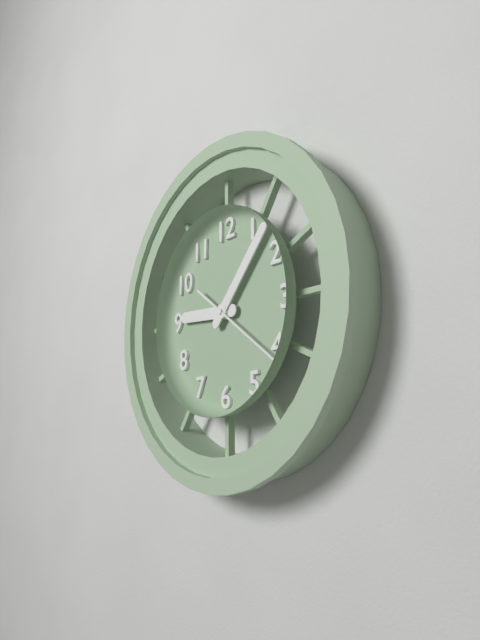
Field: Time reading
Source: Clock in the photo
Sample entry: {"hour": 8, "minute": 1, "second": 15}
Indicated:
{"hour": 9, "minute": 7, "second": 21}
